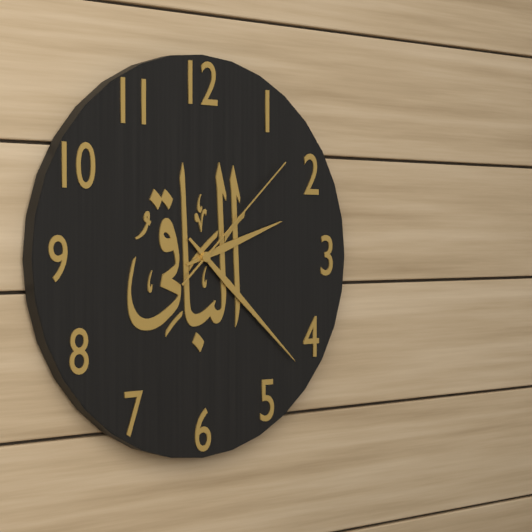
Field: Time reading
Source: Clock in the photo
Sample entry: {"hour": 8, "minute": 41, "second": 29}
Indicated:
{"hour": 2, "minute": 22, "second": 8}
